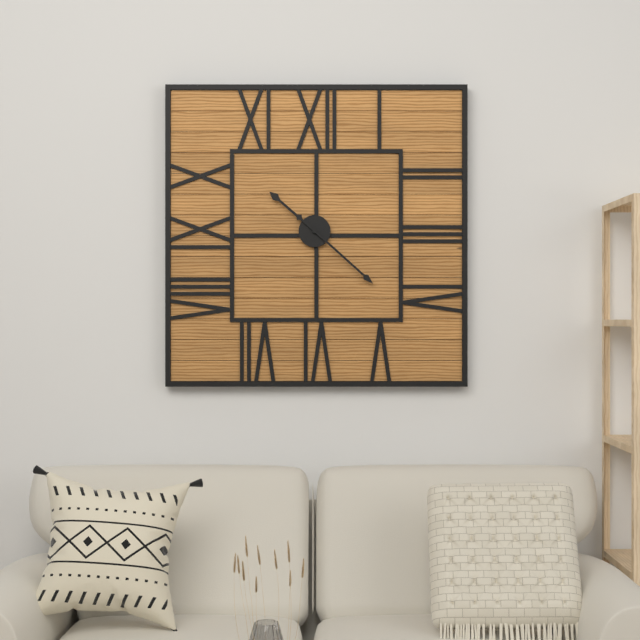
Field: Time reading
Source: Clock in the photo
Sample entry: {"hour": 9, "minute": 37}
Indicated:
{"hour": 10, "minute": 22}
